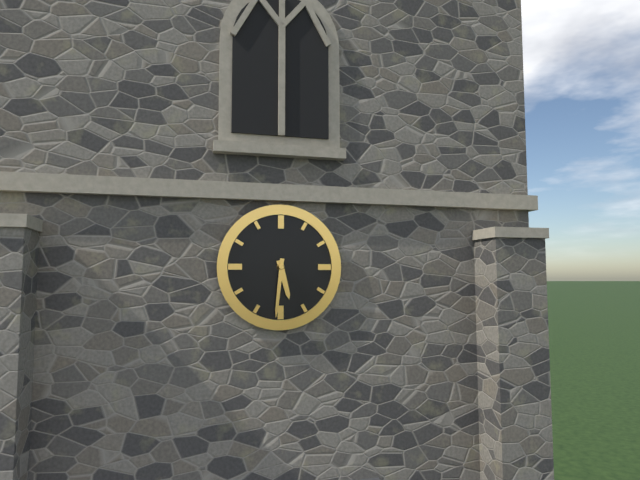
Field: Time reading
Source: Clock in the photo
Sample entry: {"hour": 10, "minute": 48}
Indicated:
{"hour": 5, "minute": 31}
